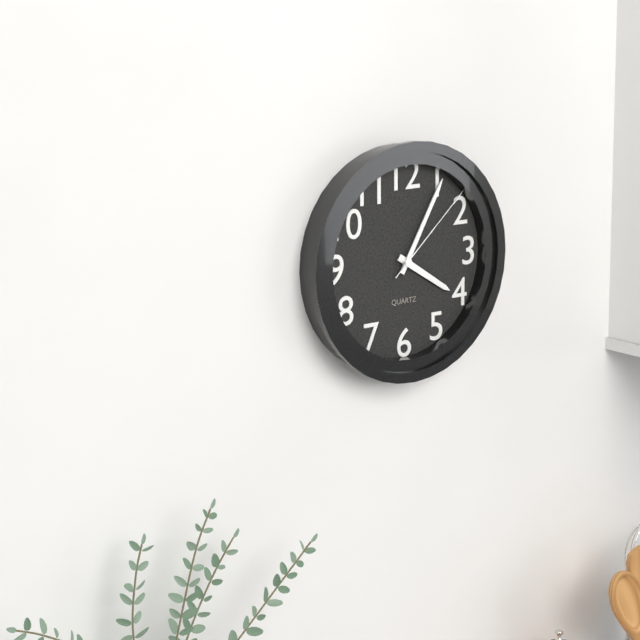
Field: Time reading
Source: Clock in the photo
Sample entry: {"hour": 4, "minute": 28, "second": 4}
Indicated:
{"hour": 4, "minute": 5, "second": 8}
